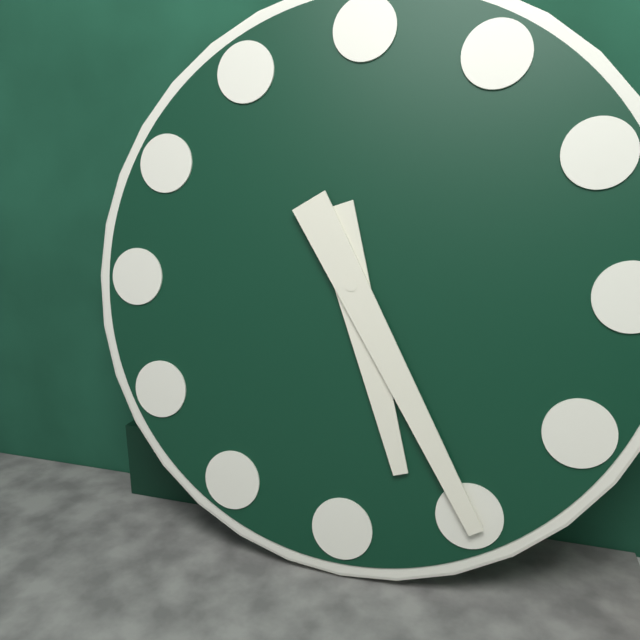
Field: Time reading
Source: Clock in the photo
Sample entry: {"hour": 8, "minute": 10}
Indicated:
{"hour": 5, "minute": 25}
